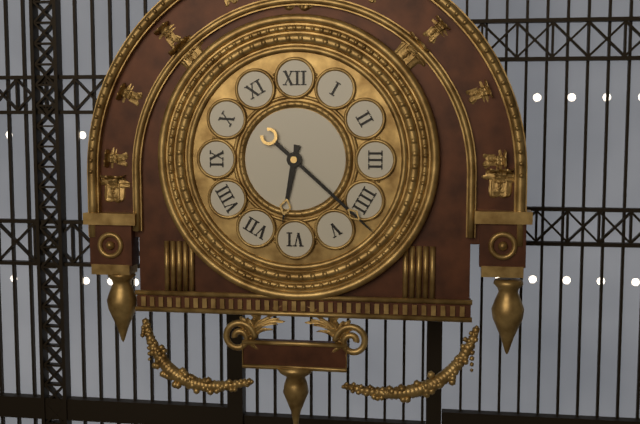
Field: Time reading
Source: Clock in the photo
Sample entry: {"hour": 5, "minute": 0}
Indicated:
{"hour": 6, "minute": 22}
